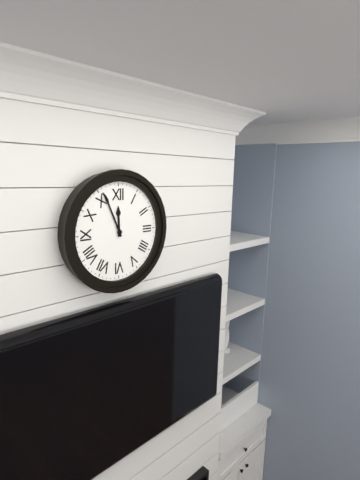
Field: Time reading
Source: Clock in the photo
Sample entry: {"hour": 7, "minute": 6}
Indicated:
{"hour": 11, "minute": 56}
